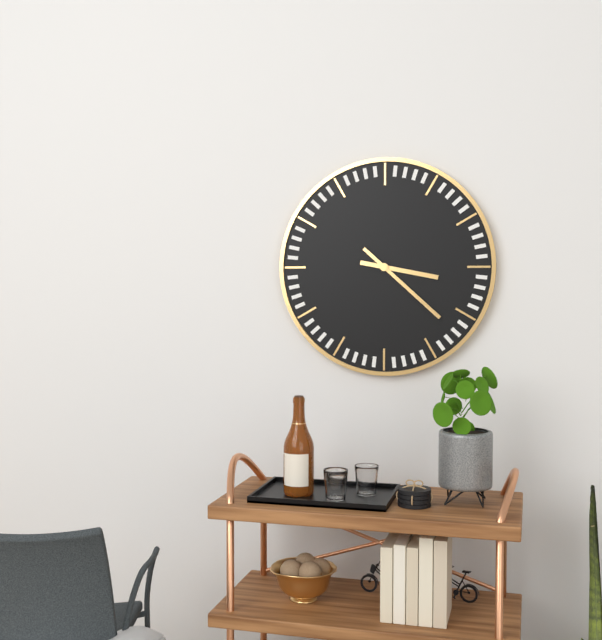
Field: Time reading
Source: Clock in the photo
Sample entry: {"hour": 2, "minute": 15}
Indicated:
{"hour": 3, "minute": 22}
